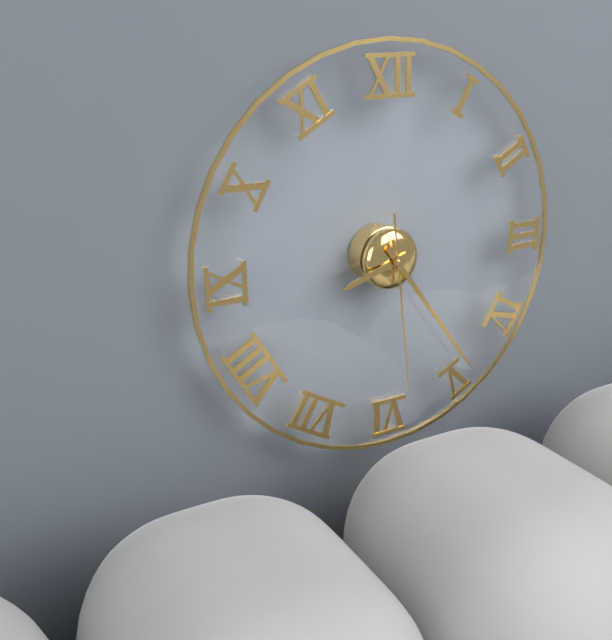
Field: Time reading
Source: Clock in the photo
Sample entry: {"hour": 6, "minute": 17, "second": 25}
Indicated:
{"hour": 8, "minute": 24, "second": 29}
